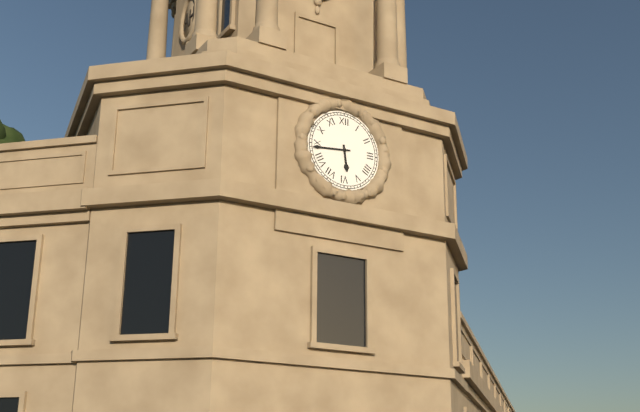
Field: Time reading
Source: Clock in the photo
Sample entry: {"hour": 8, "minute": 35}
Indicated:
{"hour": 5, "minute": 44}
